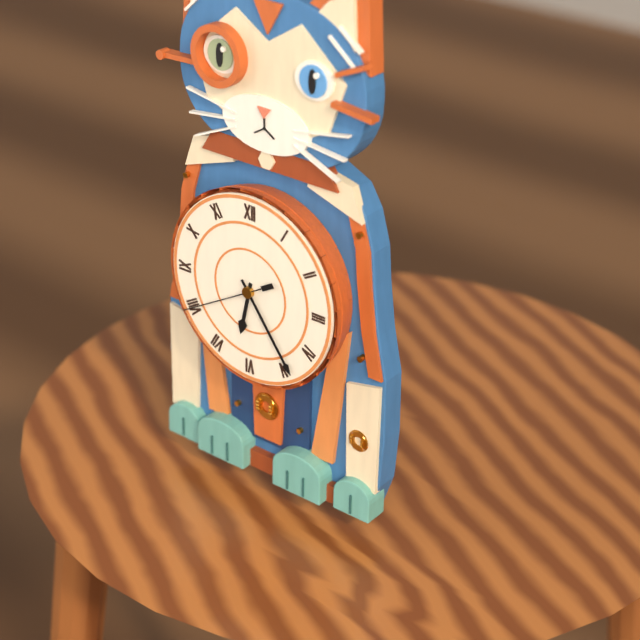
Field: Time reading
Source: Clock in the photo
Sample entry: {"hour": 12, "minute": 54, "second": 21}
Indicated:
{"hour": 6, "minute": 24, "second": 40}
